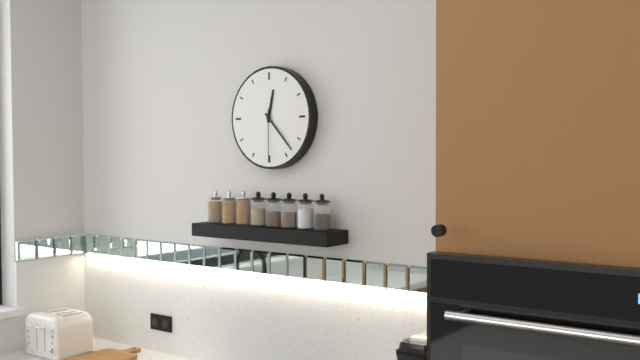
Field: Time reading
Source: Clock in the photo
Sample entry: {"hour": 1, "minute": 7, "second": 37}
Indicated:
{"hour": 12, "minute": 23, "second": 30}
